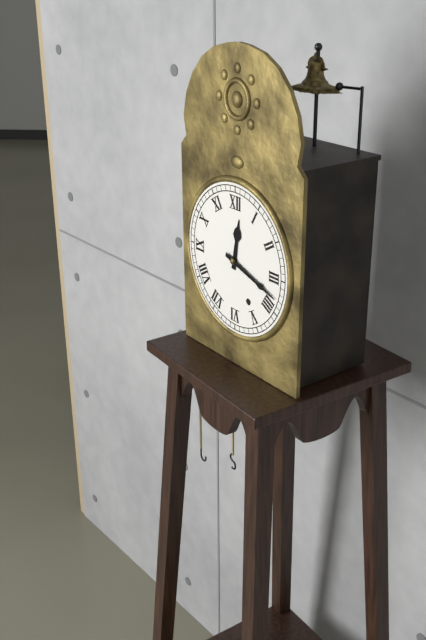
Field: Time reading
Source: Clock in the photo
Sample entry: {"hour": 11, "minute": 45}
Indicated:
{"hour": 12, "minute": 18}
